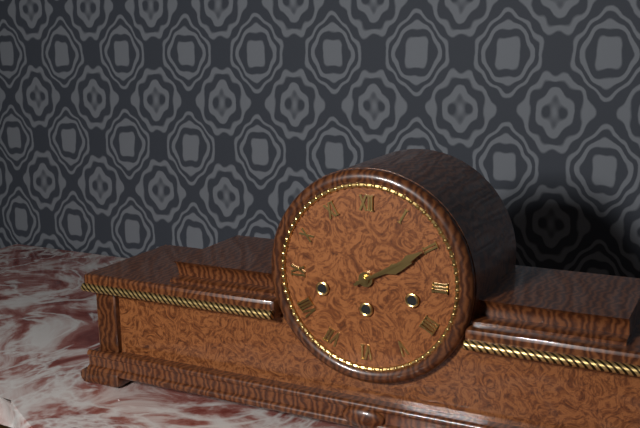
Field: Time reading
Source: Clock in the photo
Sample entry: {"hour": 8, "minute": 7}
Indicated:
{"hour": 2, "minute": 10}
